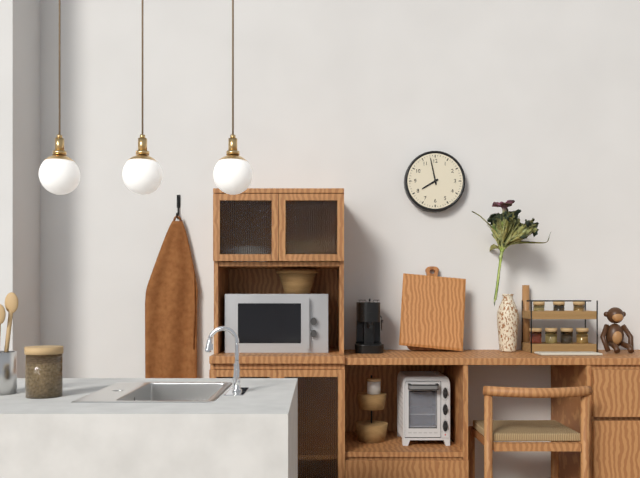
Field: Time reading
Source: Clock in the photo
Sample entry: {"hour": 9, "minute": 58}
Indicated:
{"hour": 7, "minute": 58}
